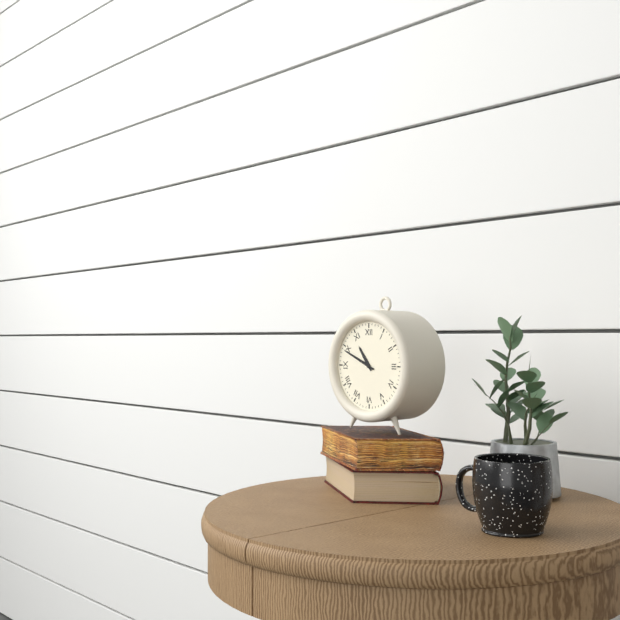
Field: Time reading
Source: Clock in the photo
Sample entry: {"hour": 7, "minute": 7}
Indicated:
{"hour": 10, "minute": 49}
